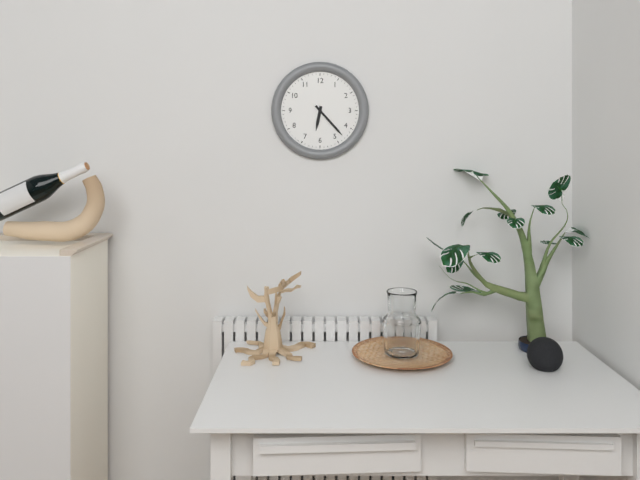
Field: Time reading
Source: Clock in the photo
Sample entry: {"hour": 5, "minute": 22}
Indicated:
{"hour": 6, "minute": 23}
